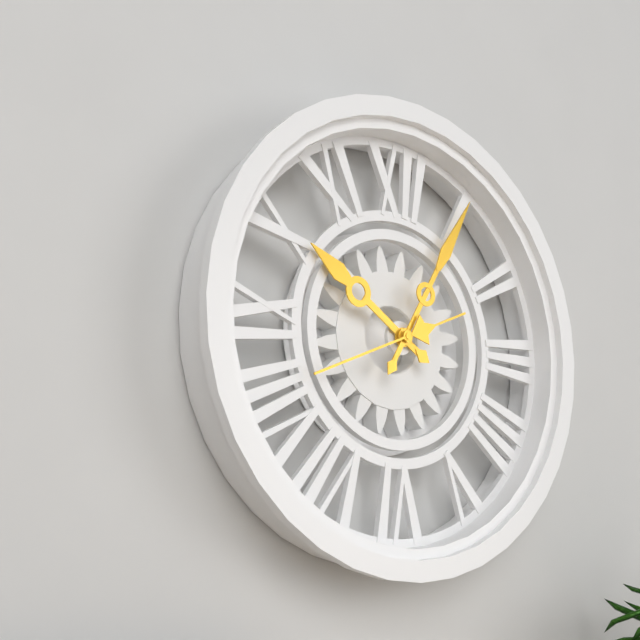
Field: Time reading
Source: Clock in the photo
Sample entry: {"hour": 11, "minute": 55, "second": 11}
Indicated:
{"hour": 10, "minute": 5, "second": 41}
